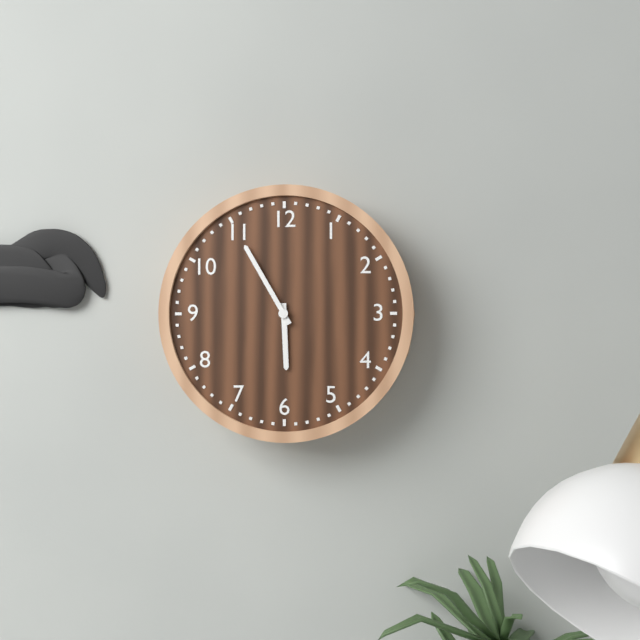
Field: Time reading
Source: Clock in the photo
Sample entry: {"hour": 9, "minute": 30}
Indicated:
{"hour": 5, "minute": 55}
